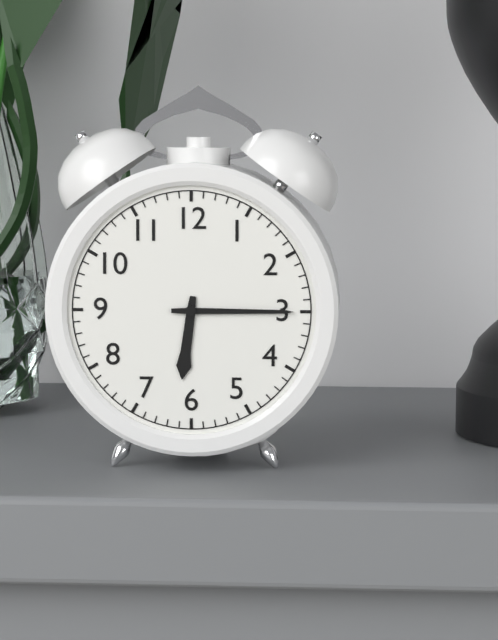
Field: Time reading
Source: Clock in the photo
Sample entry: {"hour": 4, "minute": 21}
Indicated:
{"hour": 6, "minute": 15}
